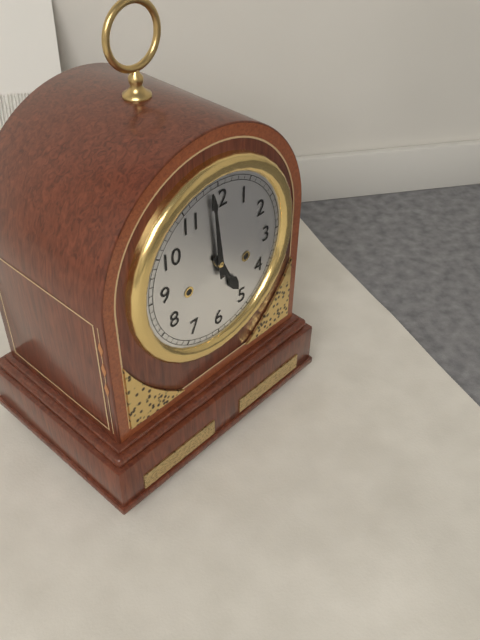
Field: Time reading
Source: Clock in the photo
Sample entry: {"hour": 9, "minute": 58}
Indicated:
{"hour": 4, "minute": 59}
